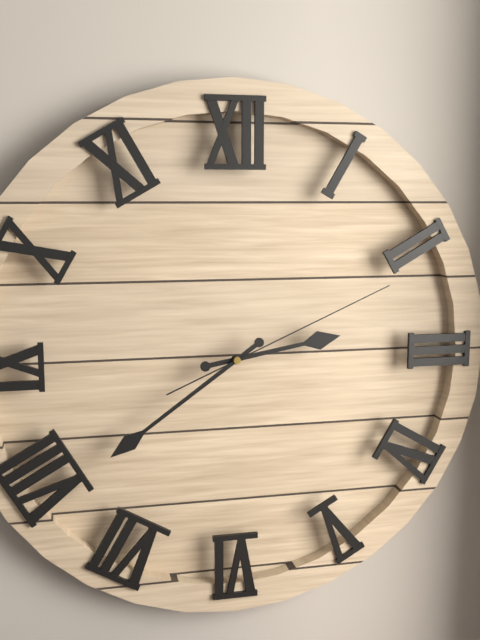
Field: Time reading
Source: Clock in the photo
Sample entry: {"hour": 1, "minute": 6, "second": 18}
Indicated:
{"hour": 2, "minute": 39, "second": 11}
